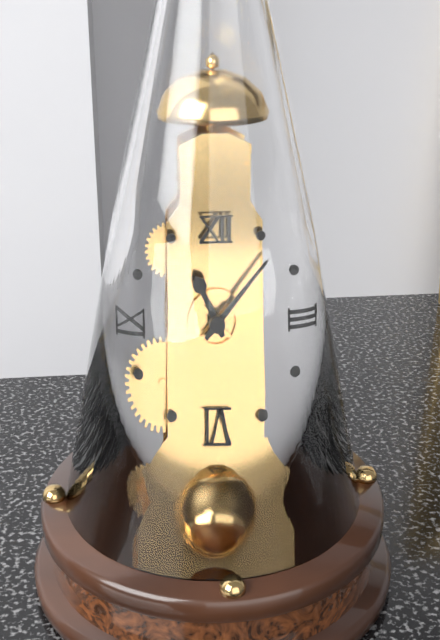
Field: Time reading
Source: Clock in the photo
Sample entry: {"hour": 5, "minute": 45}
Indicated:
{"hour": 11, "minute": 7}
